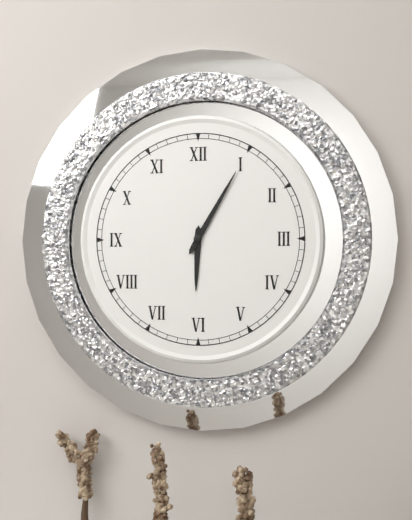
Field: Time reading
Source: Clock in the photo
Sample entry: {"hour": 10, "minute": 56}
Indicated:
{"hour": 6, "minute": 5}
